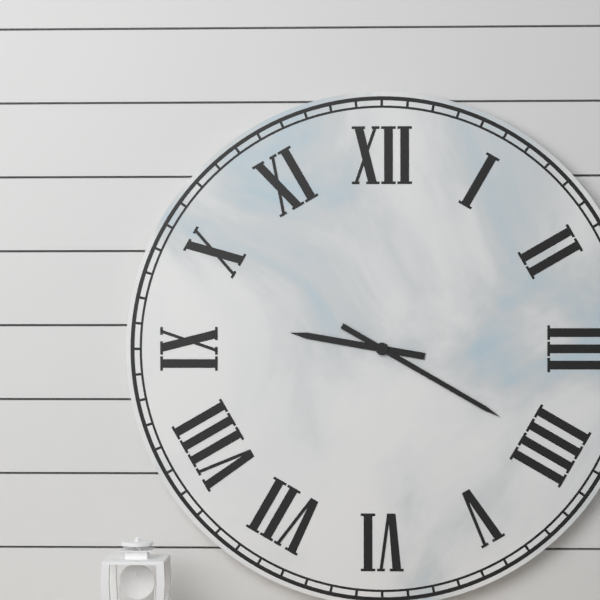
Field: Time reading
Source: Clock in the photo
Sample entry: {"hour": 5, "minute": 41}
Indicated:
{"hour": 9, "minute": 20}
